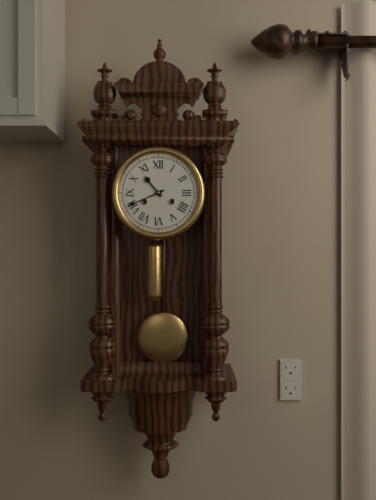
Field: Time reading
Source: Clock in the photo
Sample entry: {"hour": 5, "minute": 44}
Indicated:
{"hour": 10, "minute": 41}
